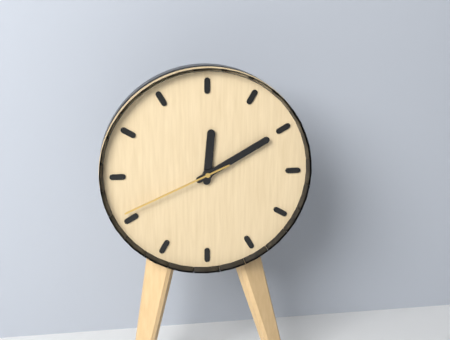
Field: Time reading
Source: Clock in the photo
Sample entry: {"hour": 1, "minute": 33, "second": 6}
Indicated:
{"hour": 12, "minute": 10, "second": 41}
